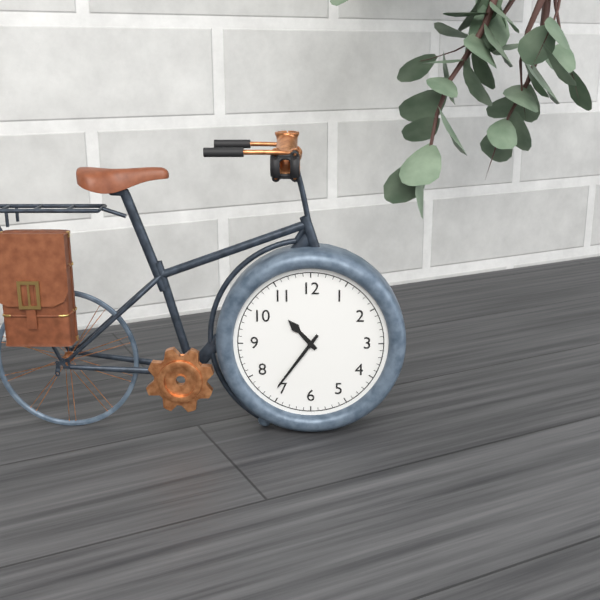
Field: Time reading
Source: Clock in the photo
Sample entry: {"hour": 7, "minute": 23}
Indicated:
{"hour": 10, "minute": 36}
